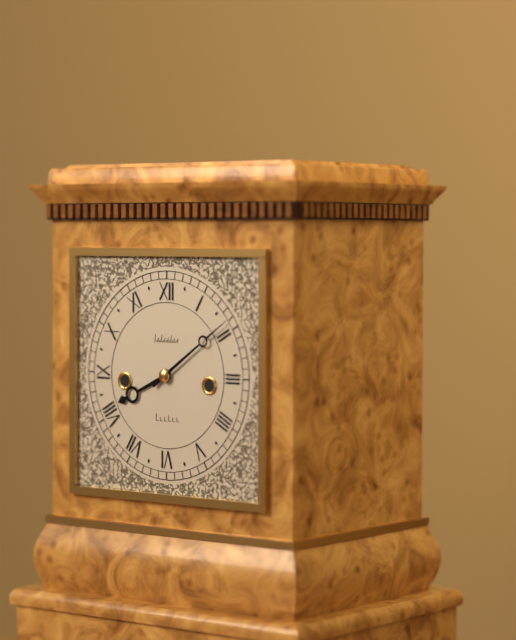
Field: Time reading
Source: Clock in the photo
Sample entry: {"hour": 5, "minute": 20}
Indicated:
{"hour": 8, "minute": 9}
